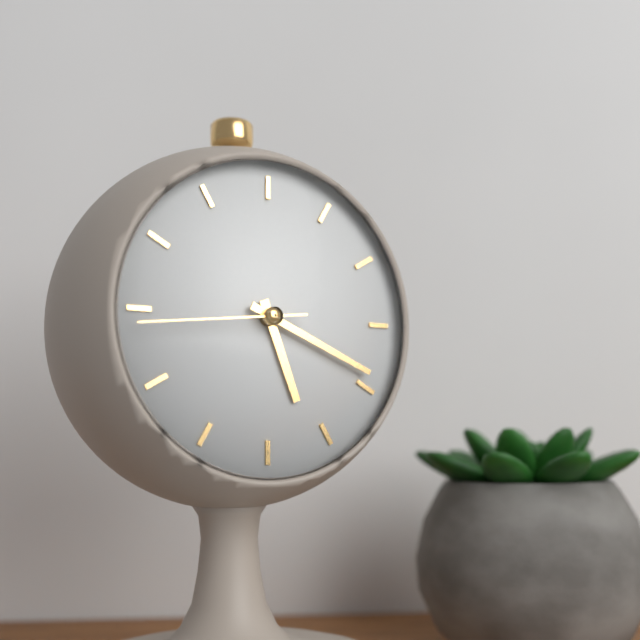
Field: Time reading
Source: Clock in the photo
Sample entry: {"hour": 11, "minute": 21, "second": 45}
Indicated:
{"hour": 5, "minute": 19, "second": 44}
